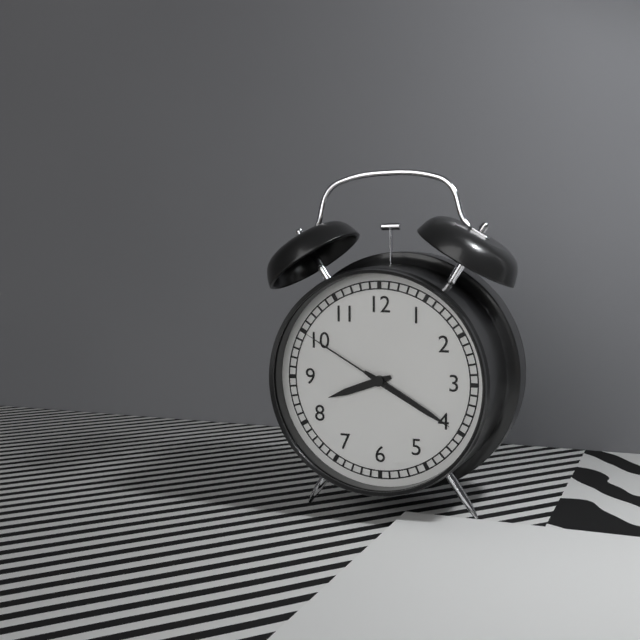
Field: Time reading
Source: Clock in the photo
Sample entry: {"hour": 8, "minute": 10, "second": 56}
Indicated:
{"hour": 8, "minute": 20, "second": 50}
